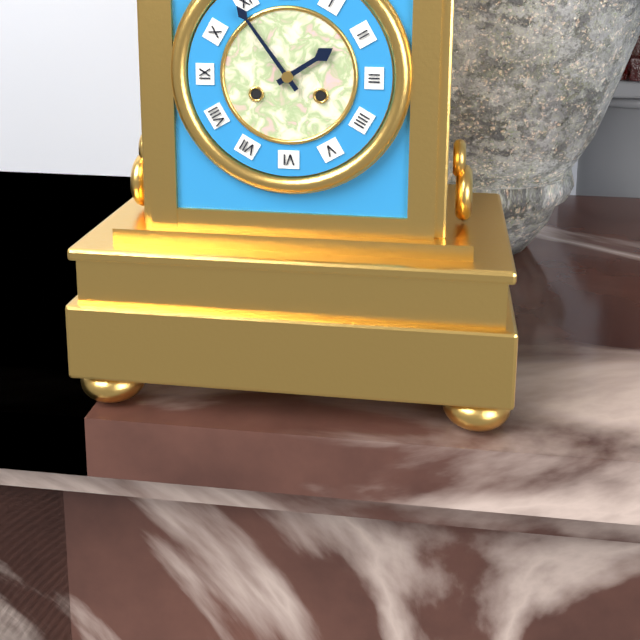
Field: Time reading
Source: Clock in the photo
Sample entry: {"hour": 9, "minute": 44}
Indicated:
{"hour": 1, "minute": 54}
